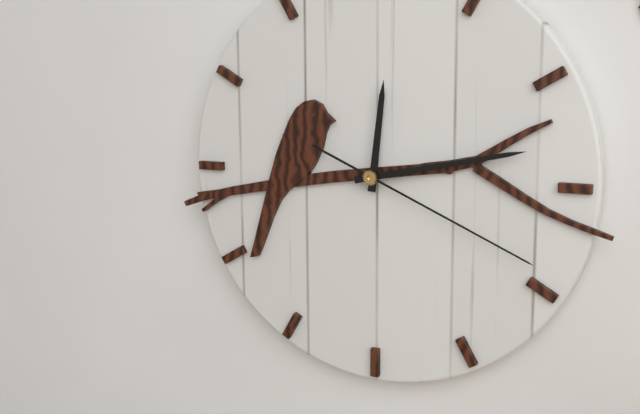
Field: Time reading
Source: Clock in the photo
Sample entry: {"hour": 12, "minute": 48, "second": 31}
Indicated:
{"hour": 12, "minute": 13, "second": 19}
